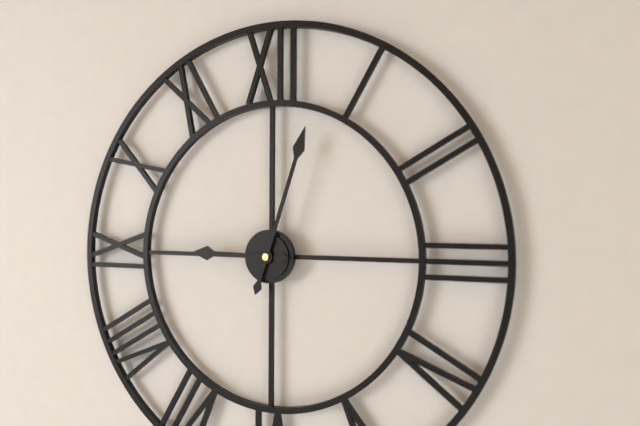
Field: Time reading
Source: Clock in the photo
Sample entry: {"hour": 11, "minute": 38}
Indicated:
{"hour": 9, "minute": 3}
